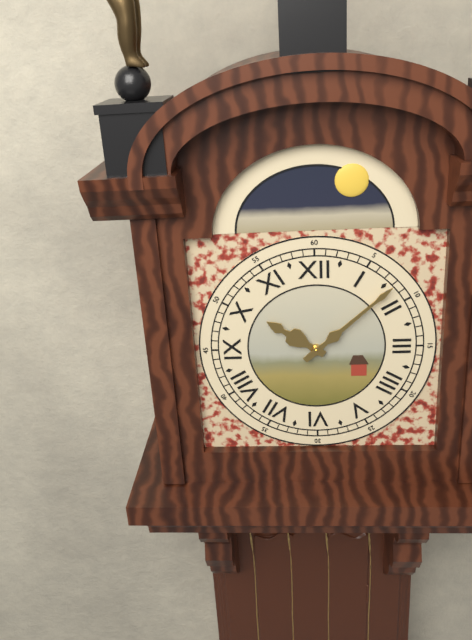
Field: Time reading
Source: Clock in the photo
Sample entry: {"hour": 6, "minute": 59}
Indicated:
{"hour": 10, "minute": 8}
